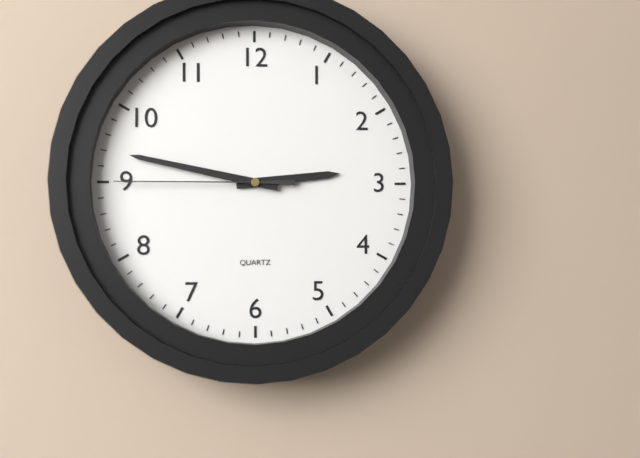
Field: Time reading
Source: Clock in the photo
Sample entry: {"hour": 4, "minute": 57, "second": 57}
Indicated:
{"hour": 2, "minute": 47, "second": 45}
